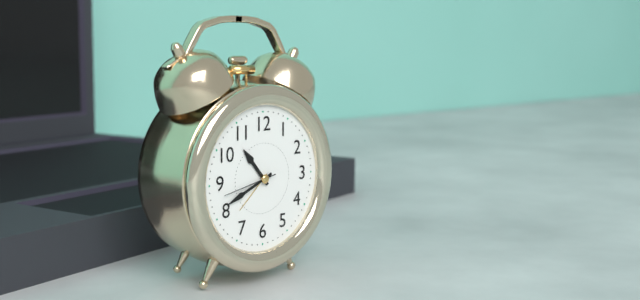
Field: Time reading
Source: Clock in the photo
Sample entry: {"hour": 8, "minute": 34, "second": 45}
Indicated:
{"hour": 10, "minute": 41, "second": 43}
